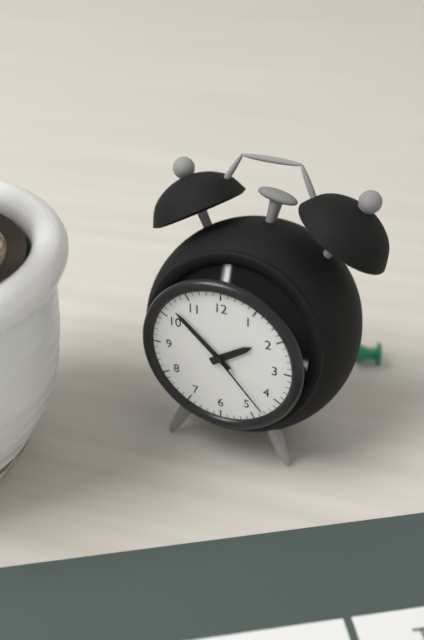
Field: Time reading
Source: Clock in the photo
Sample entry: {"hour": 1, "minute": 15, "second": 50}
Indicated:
{"hour": 1, "minute": 52, "second": 23}
